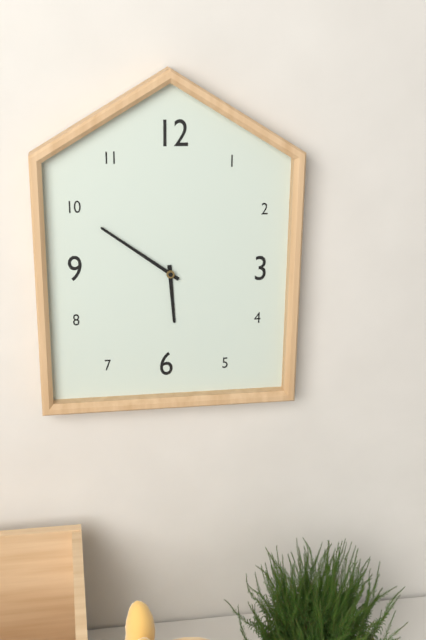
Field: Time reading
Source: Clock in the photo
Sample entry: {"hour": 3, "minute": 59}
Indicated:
{"hour": 5, "minute": 51}
